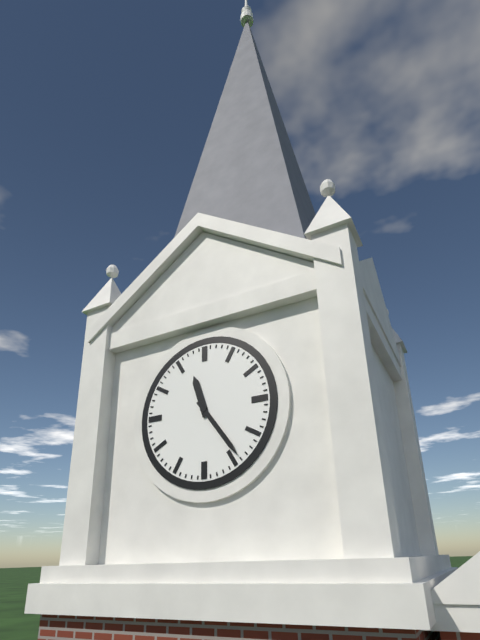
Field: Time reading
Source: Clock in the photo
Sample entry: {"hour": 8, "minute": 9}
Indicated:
{"hour": 11, "minute": 24}
